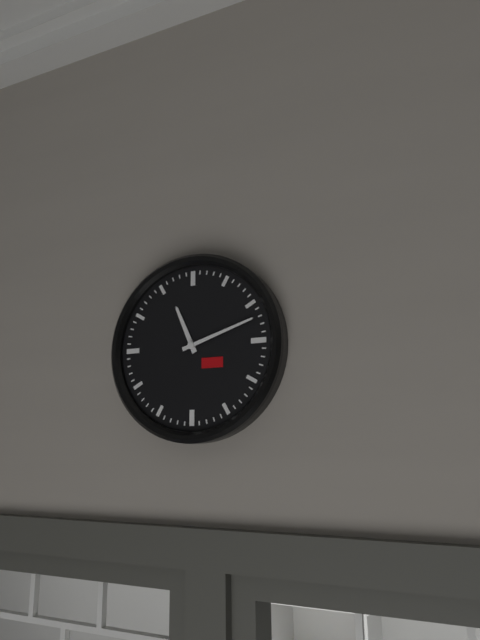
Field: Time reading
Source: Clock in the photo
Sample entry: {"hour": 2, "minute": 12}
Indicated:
{"hour": 11, "minute": 12}
